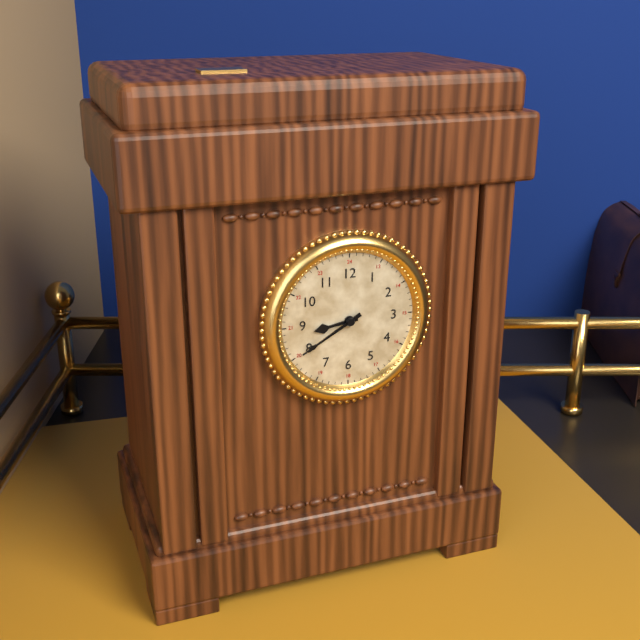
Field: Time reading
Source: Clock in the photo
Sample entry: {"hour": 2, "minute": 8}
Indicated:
{"hour": 8, "minute": 40}
